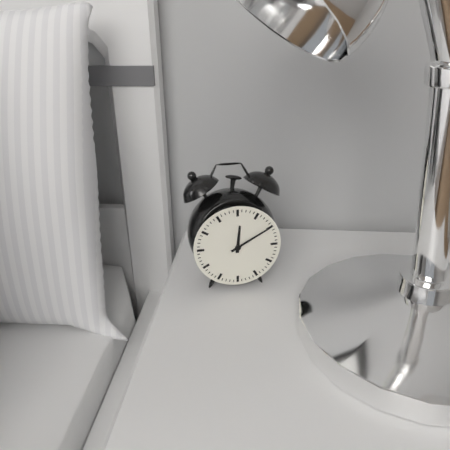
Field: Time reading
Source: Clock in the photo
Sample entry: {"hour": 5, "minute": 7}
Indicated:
{"hour": 12, "minute": 10}
